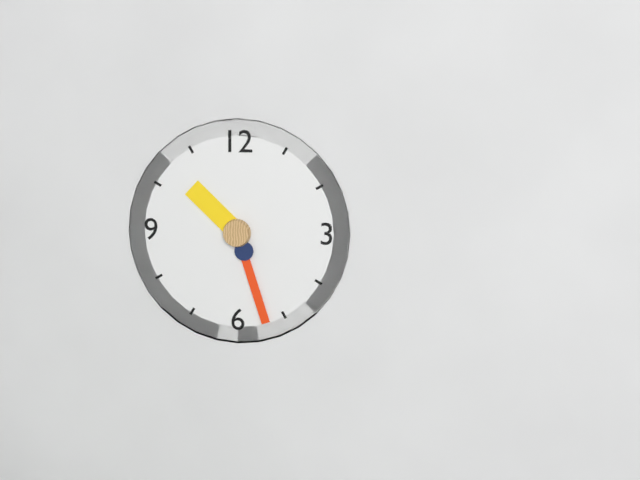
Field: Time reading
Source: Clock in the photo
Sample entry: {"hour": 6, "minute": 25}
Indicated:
{"hour": 10, "minute": 27}
